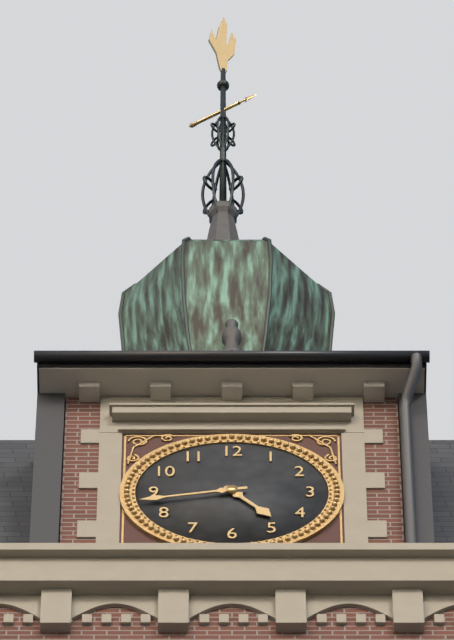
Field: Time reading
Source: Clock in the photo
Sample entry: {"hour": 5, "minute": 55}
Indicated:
{"hour": 4, "minute": 43}
